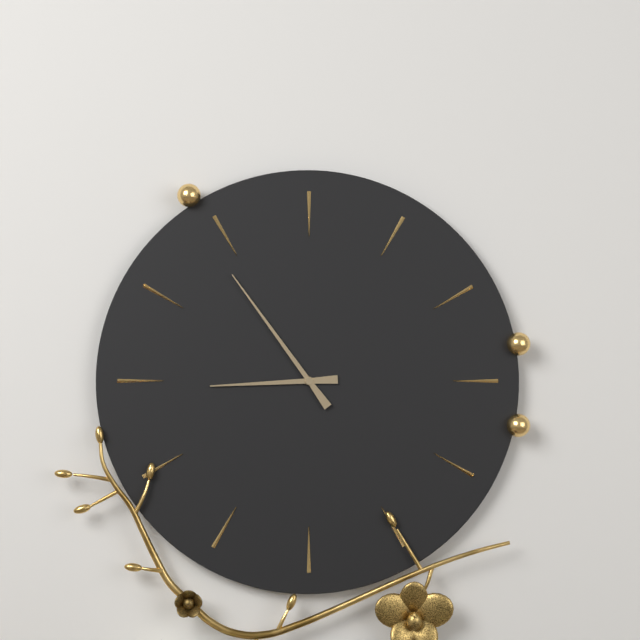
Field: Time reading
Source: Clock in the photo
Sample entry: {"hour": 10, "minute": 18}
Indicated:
{"hour": 8, "minute": 54}
